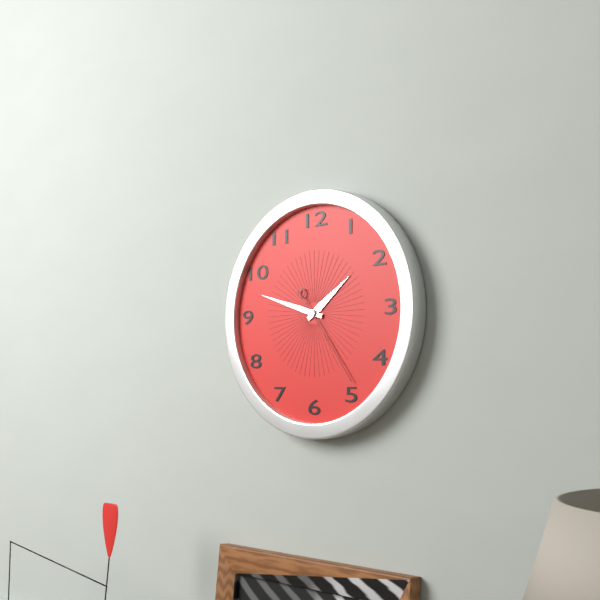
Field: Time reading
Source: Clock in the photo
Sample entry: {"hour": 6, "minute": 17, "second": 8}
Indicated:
{"hour": 1, "minute": 48, "second": 24}
